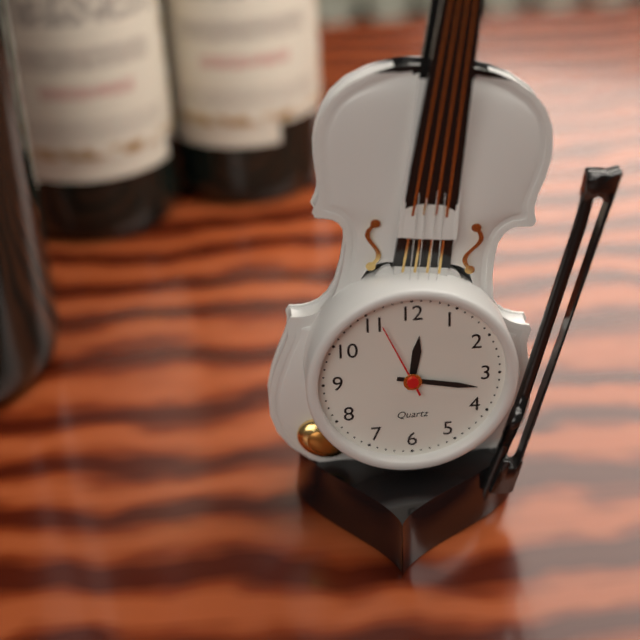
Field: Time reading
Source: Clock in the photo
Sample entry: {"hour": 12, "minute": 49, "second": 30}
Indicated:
{"hour": 12, "minute": 17, "second": 56}
